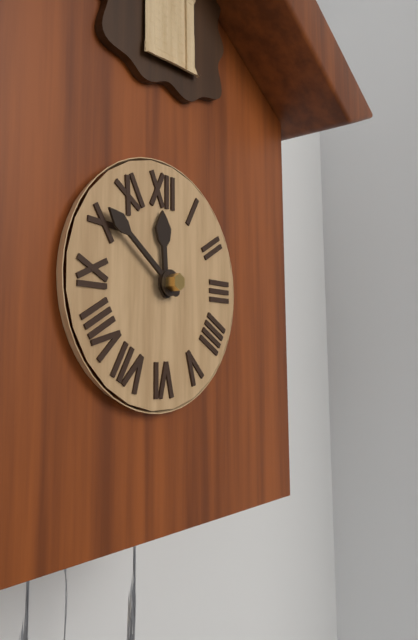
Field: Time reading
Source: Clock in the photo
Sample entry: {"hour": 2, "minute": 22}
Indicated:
{"hour": 11, "minute": 51}
